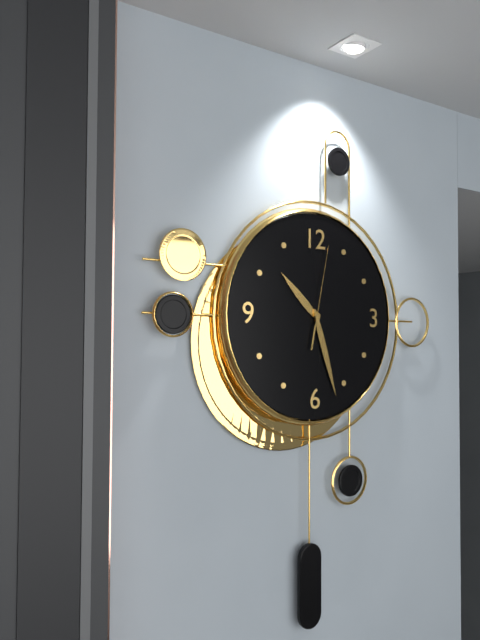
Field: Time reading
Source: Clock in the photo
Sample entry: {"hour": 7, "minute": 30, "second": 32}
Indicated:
{"hour": 10, "minute": 27, "second": 2}
